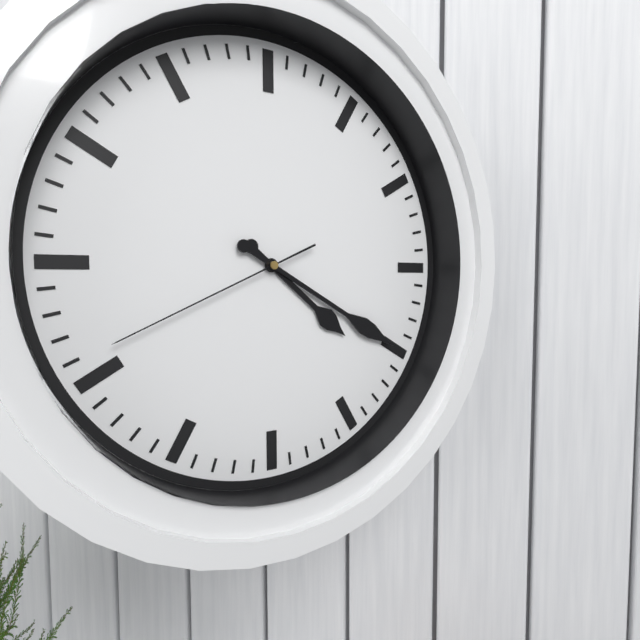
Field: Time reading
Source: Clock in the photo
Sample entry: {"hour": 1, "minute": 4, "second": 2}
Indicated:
{"hour": 4, "minute": 20, "second": 41}
